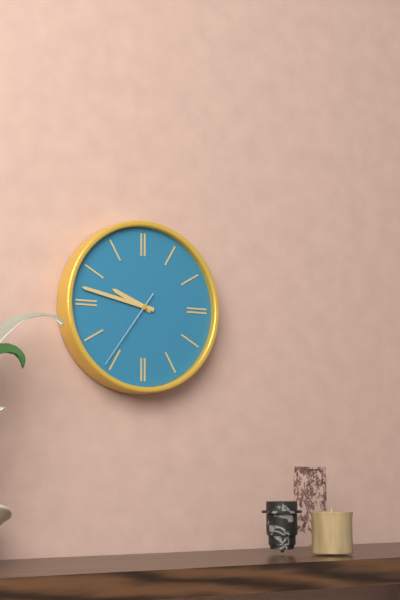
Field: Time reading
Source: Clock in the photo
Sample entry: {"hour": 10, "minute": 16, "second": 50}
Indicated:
{"hour": 9, "minute": 47, "second": 36}
